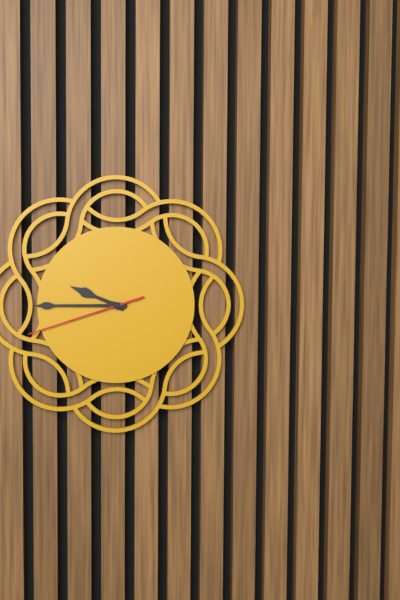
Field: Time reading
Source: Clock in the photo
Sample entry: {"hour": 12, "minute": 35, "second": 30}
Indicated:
{"hour": 9, "minute": 45, "second": 42}
